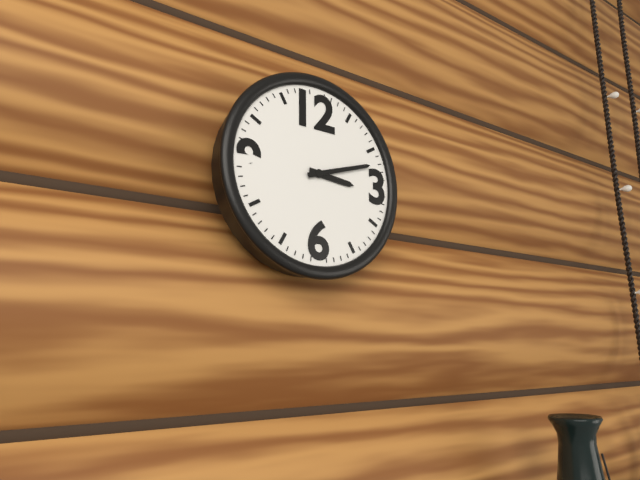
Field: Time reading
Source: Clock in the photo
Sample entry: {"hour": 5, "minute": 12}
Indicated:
{"hour": 3, "minute": 12}
